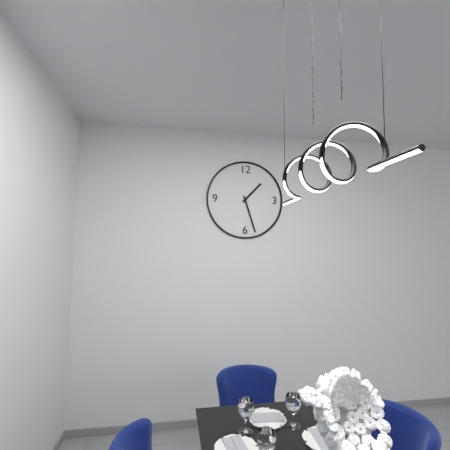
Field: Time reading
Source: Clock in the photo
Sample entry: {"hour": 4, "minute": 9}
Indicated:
{"hour": 1, "minute": 27}
